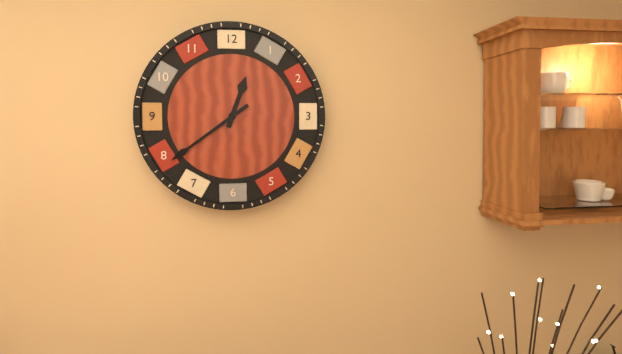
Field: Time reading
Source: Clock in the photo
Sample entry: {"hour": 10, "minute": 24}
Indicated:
{"hour": 12, "minute": 39}
